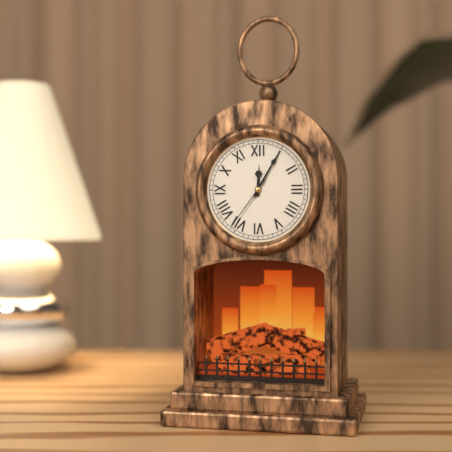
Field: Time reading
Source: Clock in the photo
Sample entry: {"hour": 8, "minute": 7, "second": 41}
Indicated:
{"hour": 12, "minute": 5, "second": 36}
